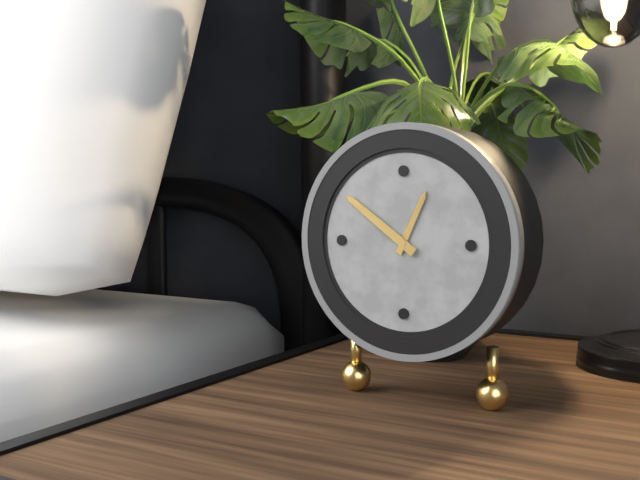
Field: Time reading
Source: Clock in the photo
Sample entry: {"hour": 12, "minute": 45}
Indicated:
{"hour": 12, "minute": 51}
